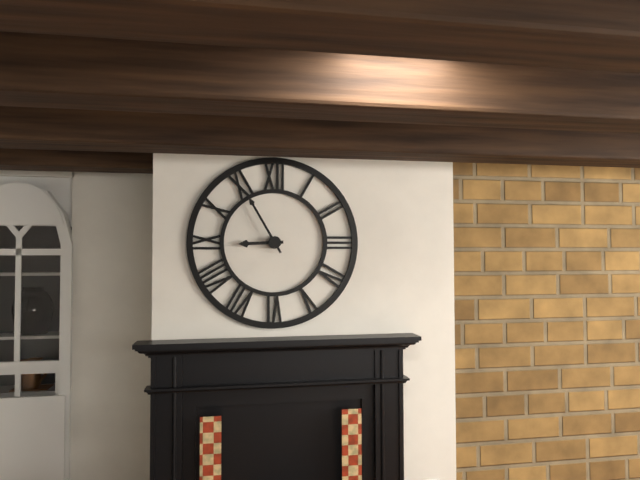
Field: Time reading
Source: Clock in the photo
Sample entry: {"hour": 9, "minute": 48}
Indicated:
{"hour": 8, "minute": 55}
